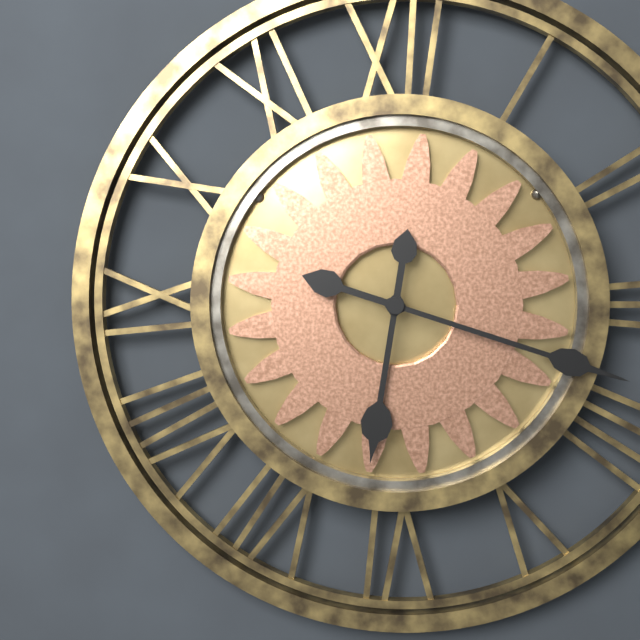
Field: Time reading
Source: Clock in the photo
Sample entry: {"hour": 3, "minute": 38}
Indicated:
{"hour": 6, "minute": 18}
